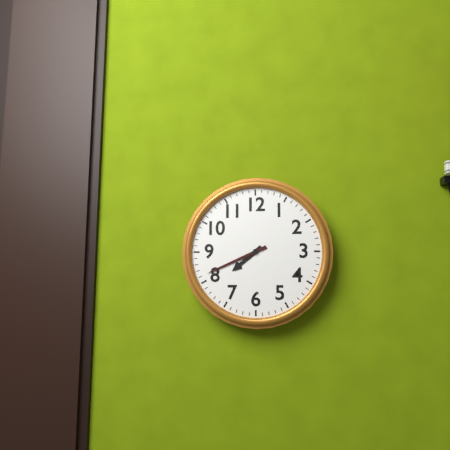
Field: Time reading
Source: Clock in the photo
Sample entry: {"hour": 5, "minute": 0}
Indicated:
{"hour": 7, "minute": 41}
